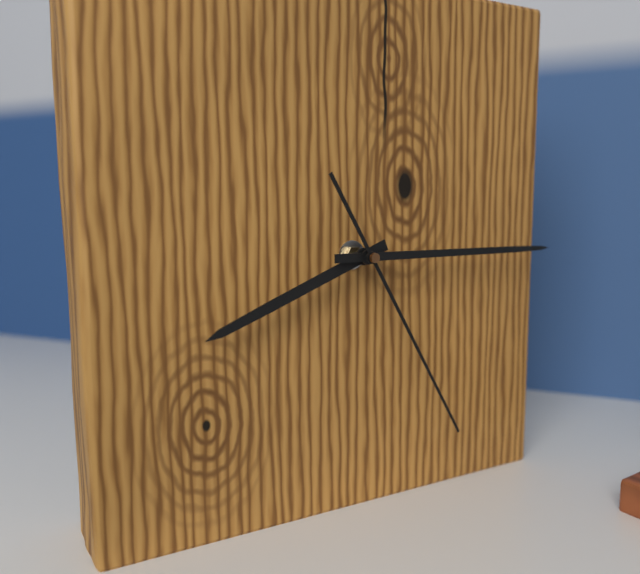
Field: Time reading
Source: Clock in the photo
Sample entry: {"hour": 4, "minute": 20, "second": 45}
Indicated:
{"hour": 8, "minute": 15, "second": 25}
